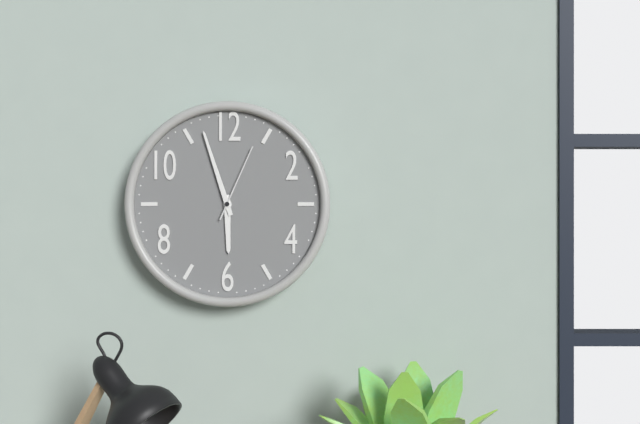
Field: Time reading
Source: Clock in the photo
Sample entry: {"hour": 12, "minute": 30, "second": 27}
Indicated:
{"hour": 5, "minute": 57, "second": 4}
